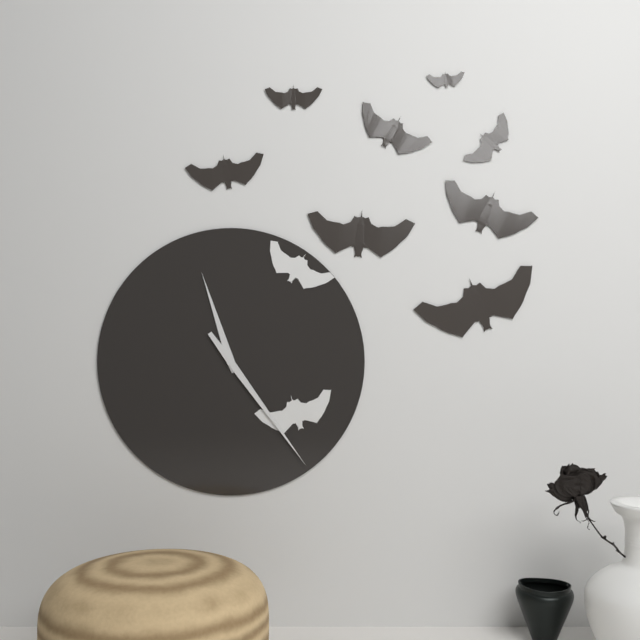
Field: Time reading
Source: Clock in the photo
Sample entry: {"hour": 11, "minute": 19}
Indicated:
{"hour": 11, "minute": 24}
